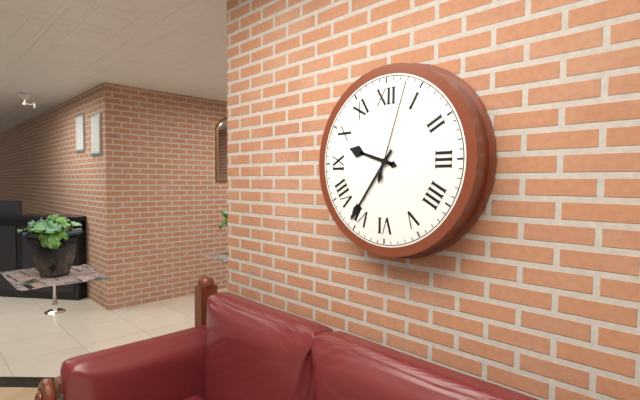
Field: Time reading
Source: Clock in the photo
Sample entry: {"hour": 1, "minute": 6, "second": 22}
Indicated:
{"hour": 9, "minute": 36, "second": 3}
